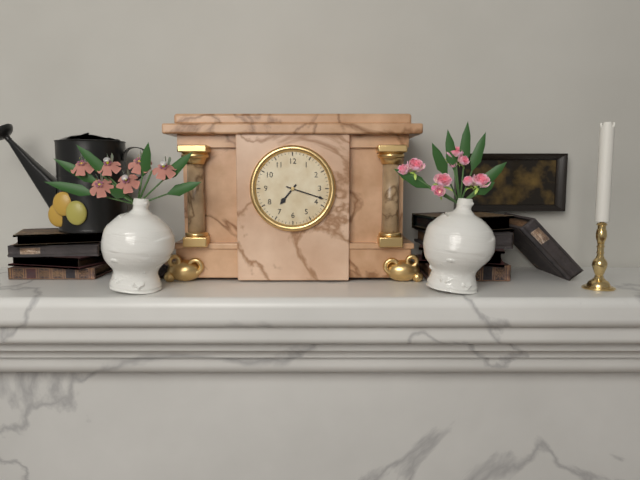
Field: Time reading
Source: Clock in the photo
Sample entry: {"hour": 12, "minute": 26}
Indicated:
{"hour": 7, "minute": 18}
